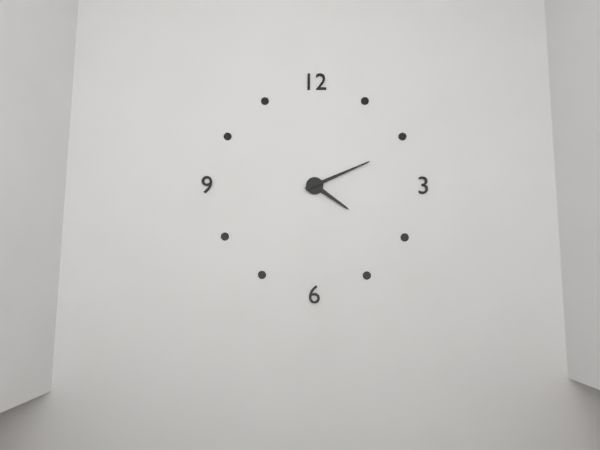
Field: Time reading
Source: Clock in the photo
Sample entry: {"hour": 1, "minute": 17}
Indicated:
{"hour": 4, "minute": 11}
